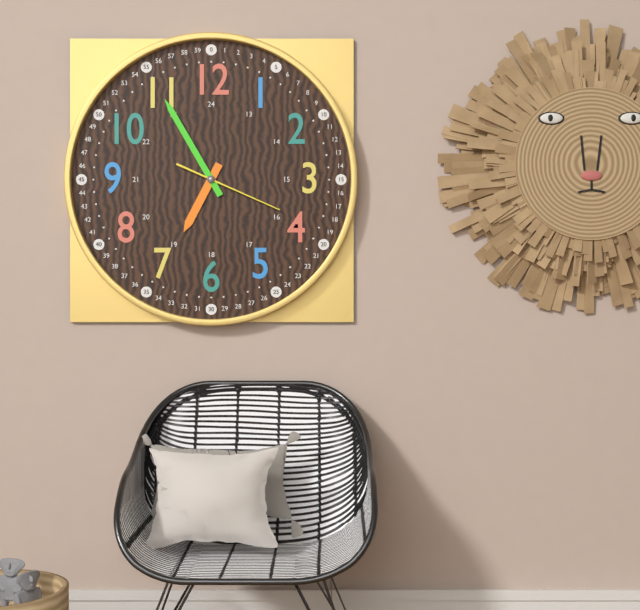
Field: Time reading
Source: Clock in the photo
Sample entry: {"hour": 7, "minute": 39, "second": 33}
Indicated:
{"hour": 6, "minute": 55, "second": 19}
